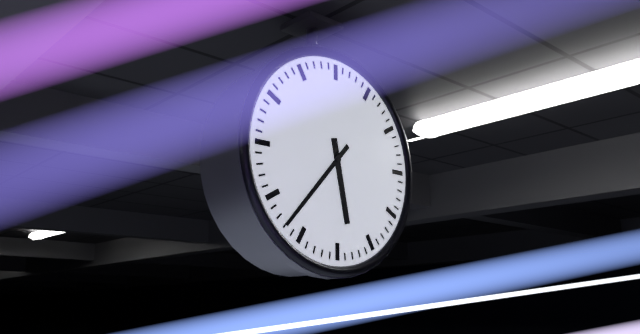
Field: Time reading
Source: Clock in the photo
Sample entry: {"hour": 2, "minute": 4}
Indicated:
{"hour": 5, "minute": 37}
